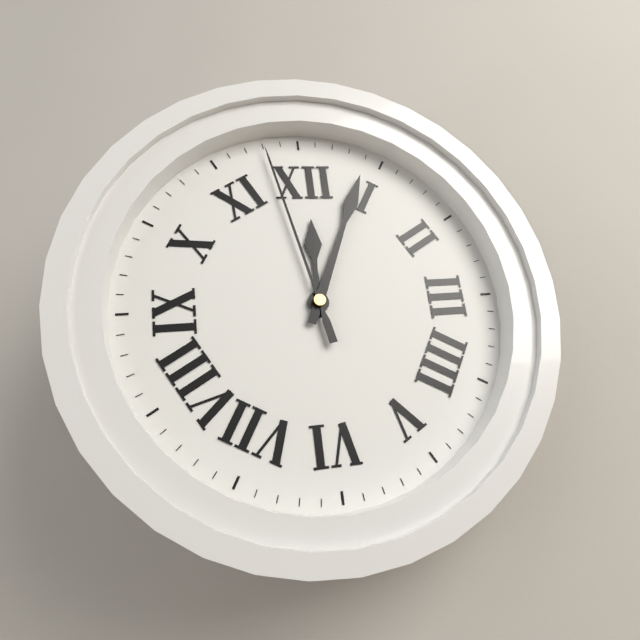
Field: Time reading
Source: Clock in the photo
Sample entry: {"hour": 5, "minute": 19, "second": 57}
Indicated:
{"hour": 12, "minute": 4, "second": 58}
